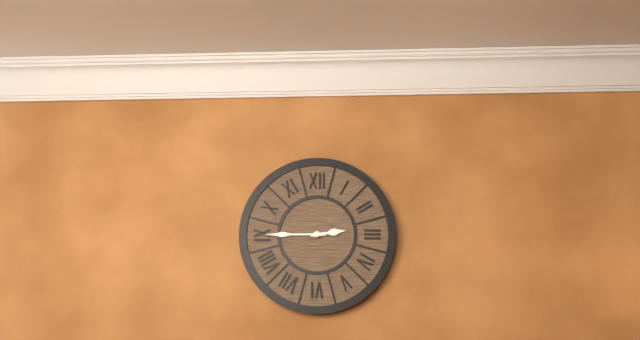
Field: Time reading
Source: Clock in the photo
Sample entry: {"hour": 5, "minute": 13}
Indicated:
{"hour": 2, "minute": 45}
